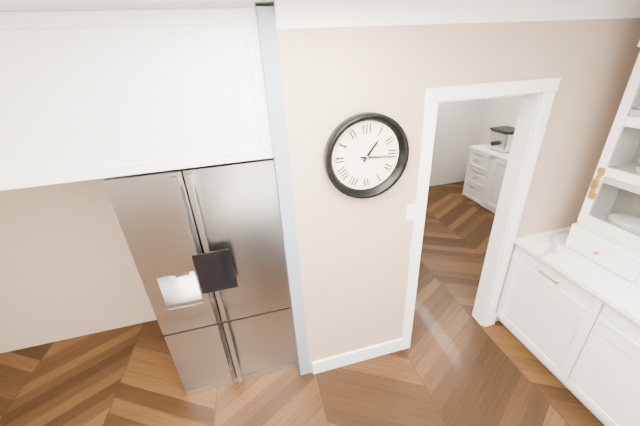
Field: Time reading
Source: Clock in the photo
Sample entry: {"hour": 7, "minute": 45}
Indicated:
{"hour": 1, "minute": 16}
